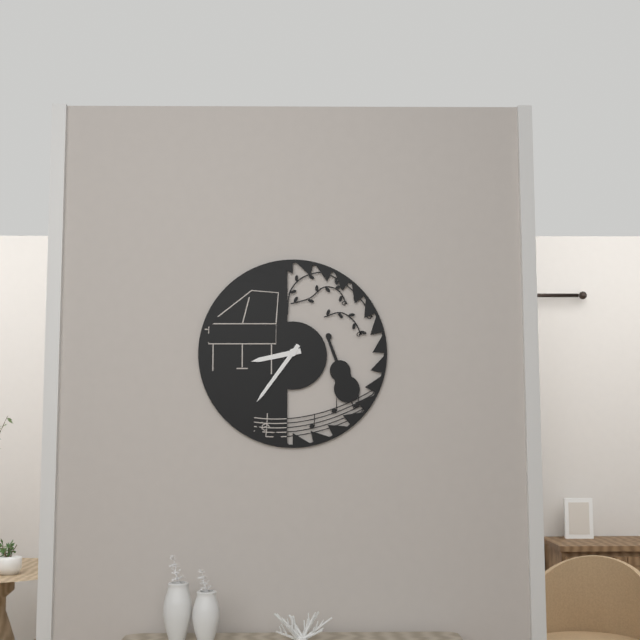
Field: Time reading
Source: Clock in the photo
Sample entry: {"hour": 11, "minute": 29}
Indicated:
{"hour": 8, "minute": 36}
